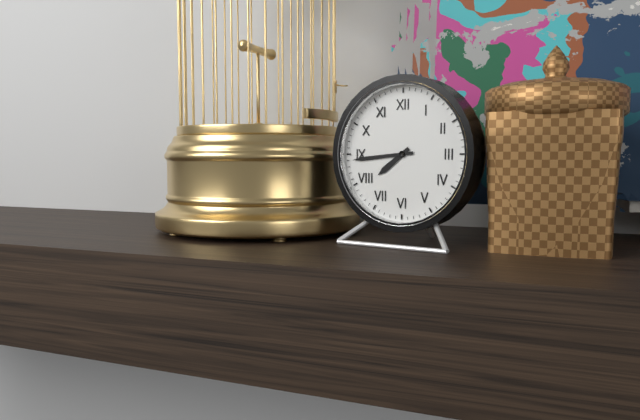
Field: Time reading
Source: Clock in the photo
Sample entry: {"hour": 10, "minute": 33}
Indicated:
{"hour": 7, "minute": 44}
